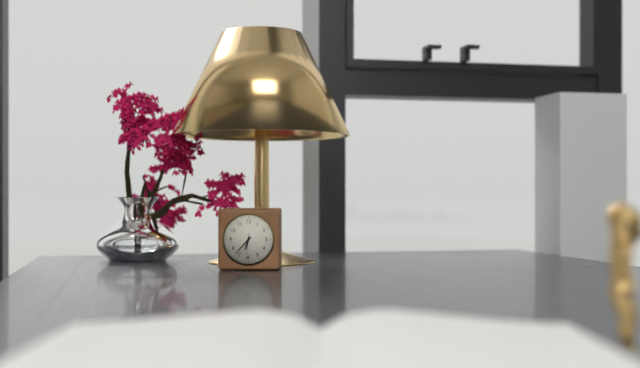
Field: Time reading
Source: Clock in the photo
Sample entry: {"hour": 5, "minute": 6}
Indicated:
{"hour": 6, "minute": 37}
